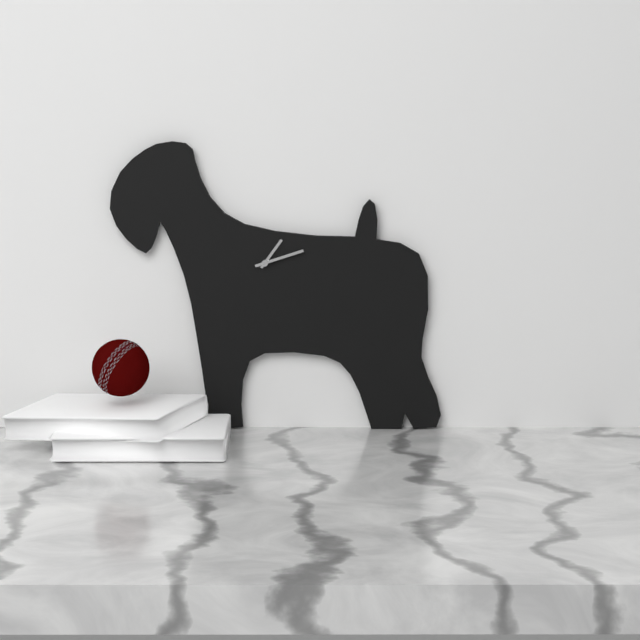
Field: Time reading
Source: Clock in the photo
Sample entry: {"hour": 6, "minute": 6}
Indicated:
{"hour": 1, "minute": 12}
